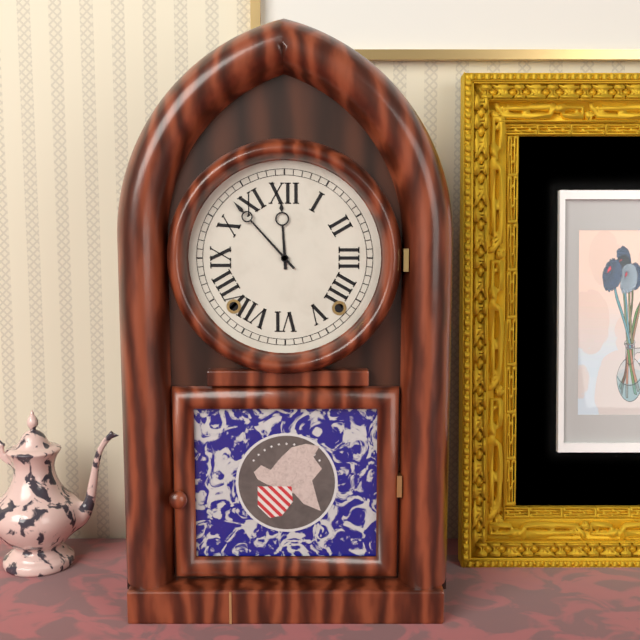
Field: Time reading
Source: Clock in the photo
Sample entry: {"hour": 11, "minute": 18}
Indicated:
{"hour": 11, "minute": 53}
